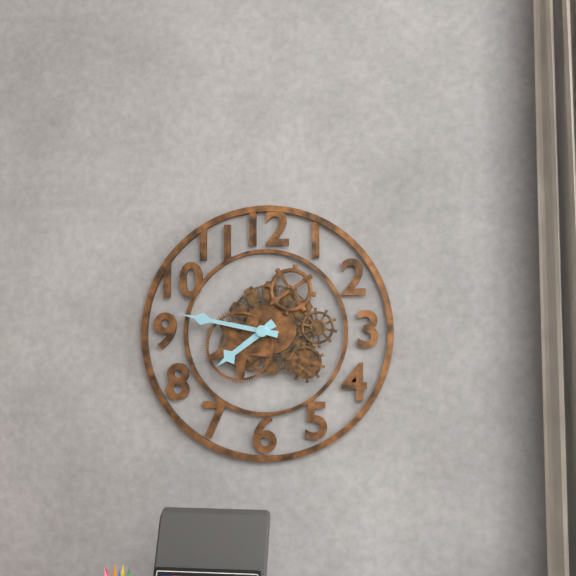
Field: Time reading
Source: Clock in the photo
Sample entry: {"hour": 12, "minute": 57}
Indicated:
{"hour": 7, "minute": 47}
